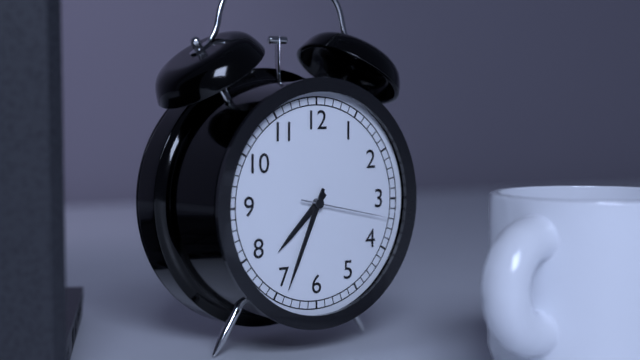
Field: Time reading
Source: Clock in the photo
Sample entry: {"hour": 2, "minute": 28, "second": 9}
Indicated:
{"hour": 7, "minute": 34, "second": 17}
